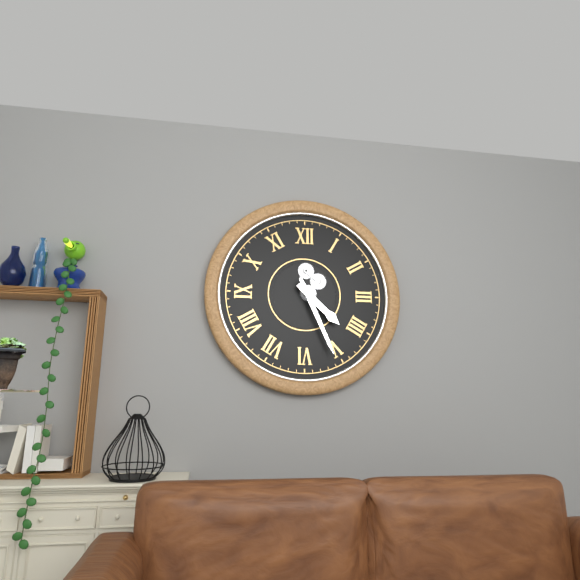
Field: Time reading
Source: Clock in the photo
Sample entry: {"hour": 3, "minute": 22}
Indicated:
{"hour": 4, "minute": 26}
